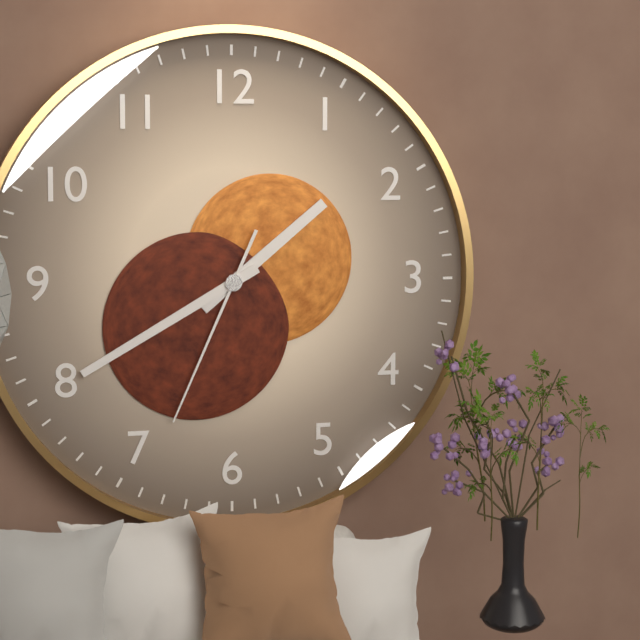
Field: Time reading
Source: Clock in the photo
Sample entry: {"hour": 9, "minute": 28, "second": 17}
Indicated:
{"hour": 1, "minute": 40, "second": 34}
